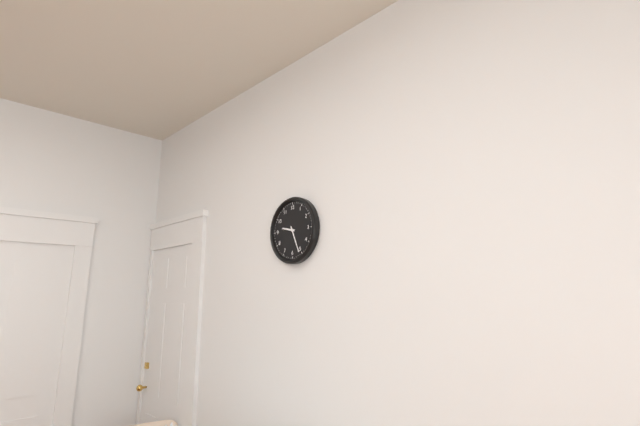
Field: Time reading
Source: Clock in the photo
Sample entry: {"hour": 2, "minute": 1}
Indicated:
{"hour": 9, "minute": 26}
